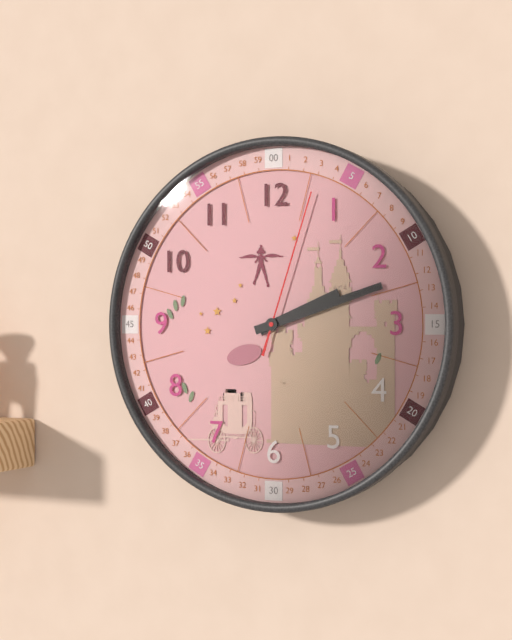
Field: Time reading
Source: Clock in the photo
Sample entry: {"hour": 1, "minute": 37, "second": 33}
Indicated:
{"hour": 2, "minute": 12, "second": 3}
